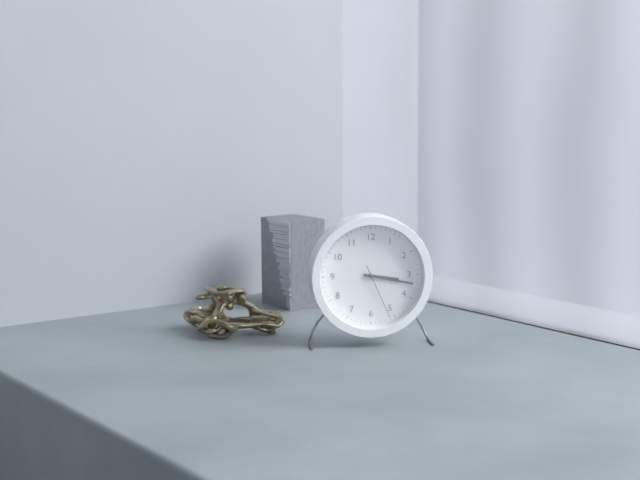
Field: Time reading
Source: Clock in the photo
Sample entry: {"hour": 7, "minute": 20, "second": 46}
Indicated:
{"hour": 3, "minute": 17, "second": 26}
